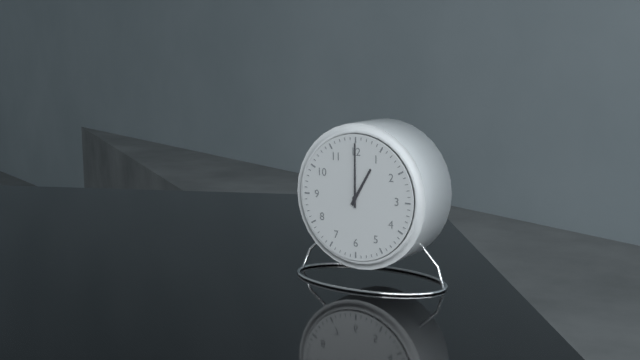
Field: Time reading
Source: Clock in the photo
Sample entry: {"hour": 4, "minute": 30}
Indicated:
{"hour": 1, "minute": 0}
